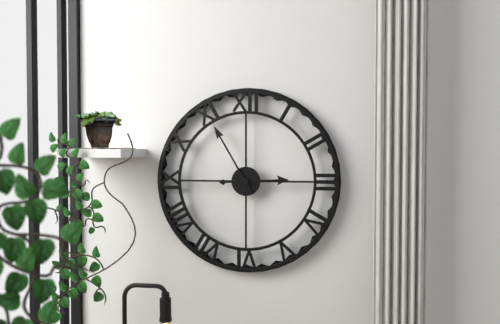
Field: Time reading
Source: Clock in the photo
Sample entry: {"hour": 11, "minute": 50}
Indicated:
{"hour": 2, "minute": 55}
